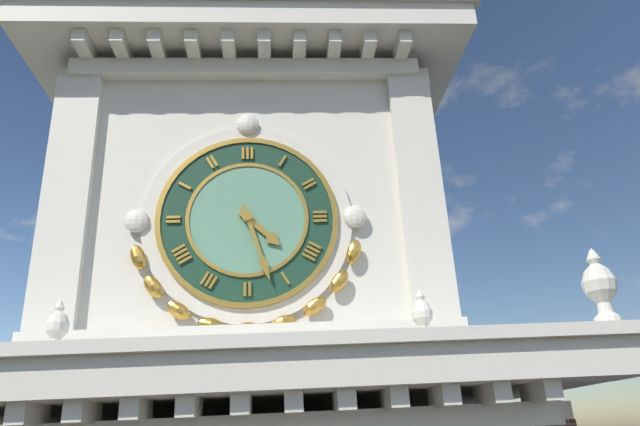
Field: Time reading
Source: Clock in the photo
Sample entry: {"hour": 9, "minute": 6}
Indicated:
{"hour": 4, "minute": 27}
